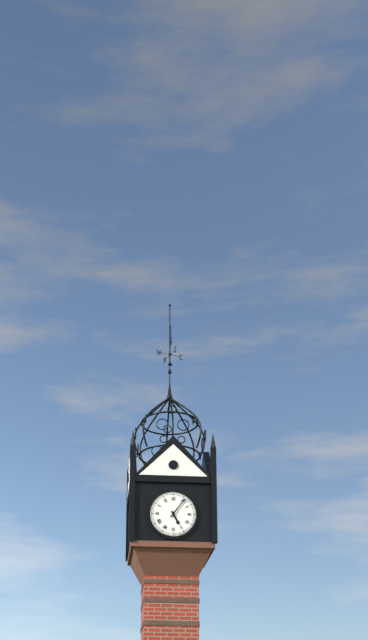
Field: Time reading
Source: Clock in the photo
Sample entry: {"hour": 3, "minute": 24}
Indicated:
{"hour": 5, "minute": 6}
